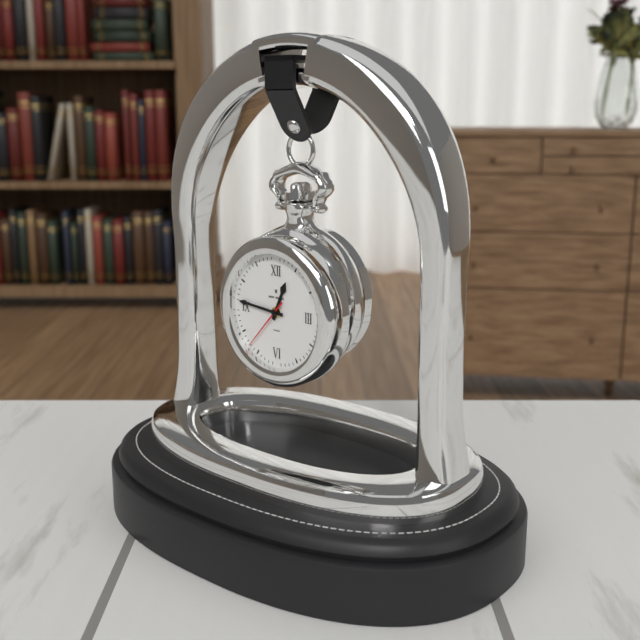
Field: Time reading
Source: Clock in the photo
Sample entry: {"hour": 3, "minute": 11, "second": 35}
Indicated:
{"hour": 12, "minute": 46, "second": 37}
